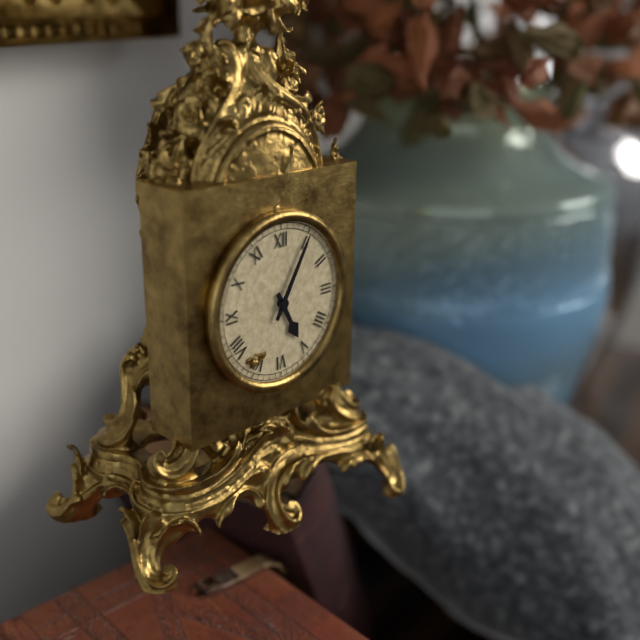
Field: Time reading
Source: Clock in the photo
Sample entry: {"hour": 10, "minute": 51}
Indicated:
{"hour": 5, "minute": 5}
